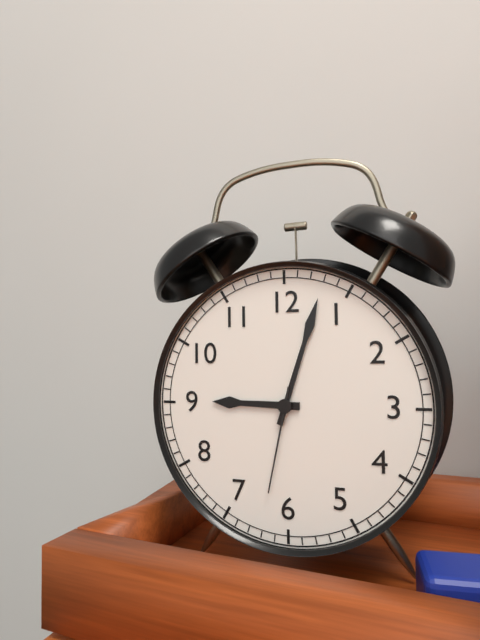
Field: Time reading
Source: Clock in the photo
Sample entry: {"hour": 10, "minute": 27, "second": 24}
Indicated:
{"hour": 9, "minute": 3, "second": 32}
